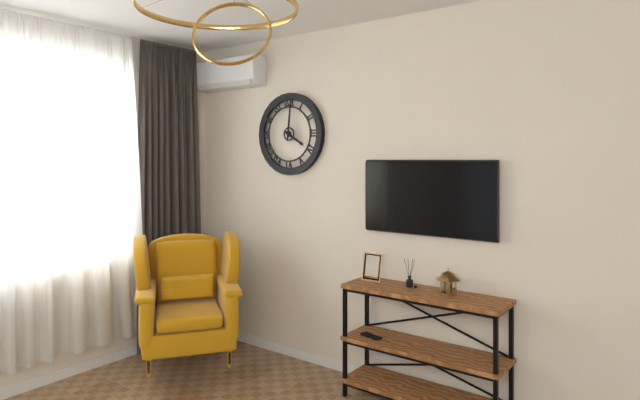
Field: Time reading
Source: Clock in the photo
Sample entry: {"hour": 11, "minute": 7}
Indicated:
{"hour": 4, "minute": 1}
